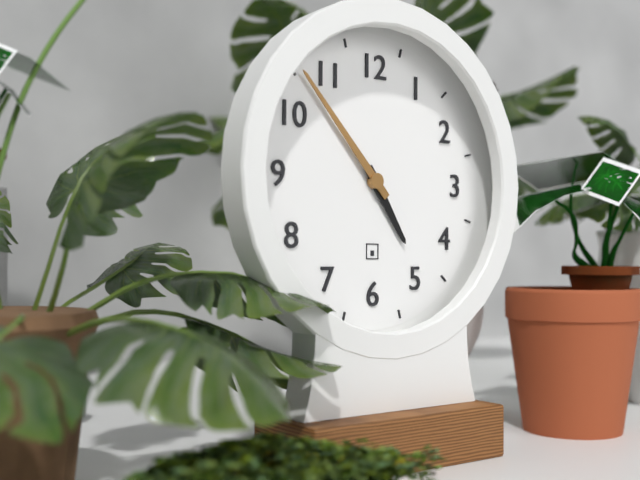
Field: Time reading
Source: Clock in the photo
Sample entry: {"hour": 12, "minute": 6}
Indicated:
{"hour": 4, "minute": 53}
